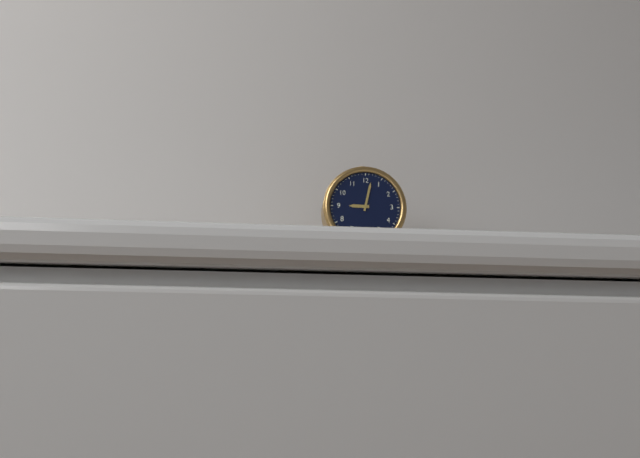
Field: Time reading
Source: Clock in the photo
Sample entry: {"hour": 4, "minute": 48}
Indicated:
{"hour": 9, "minute": 2}
